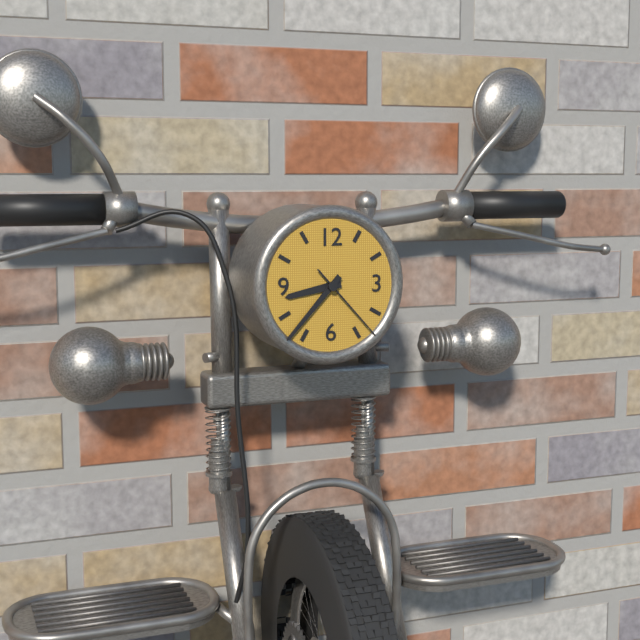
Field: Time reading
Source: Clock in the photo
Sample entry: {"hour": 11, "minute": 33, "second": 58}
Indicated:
{"hour": 8, "minute": 37, "second": 23}
